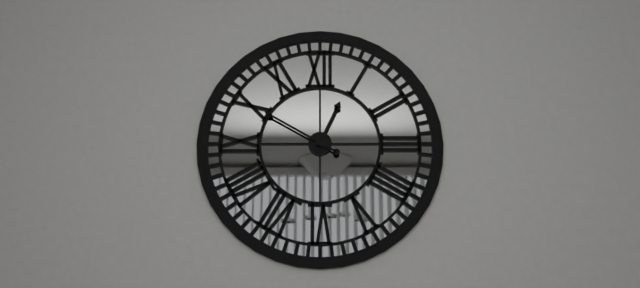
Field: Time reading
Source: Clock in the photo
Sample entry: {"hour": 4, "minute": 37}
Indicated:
{"hour": 12, "minute": 50}
